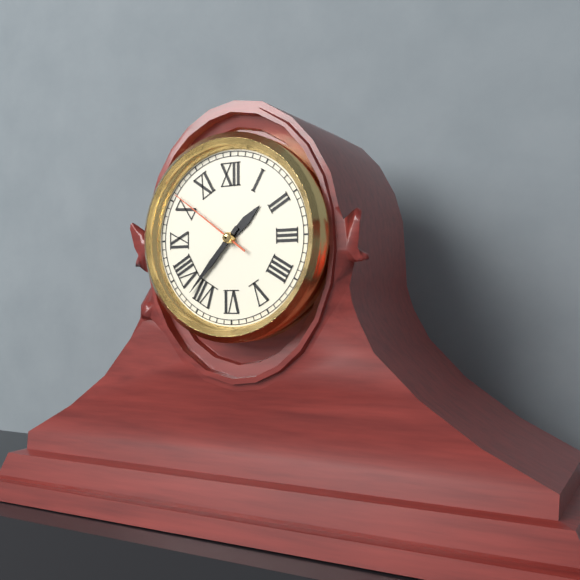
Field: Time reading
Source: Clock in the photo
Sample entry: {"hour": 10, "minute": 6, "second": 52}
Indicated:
{"hour": 1, "minute": 37, "second": 51}
